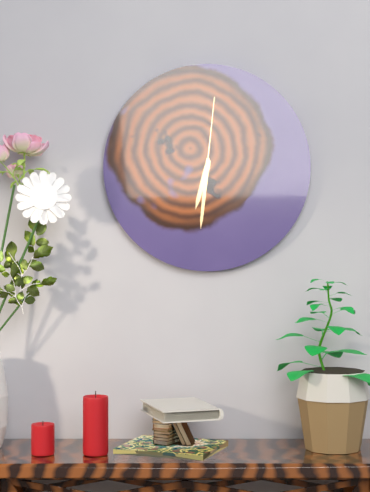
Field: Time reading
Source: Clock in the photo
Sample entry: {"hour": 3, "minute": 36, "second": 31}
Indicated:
{"hour": 6, "minute": 31, "second": 1}
